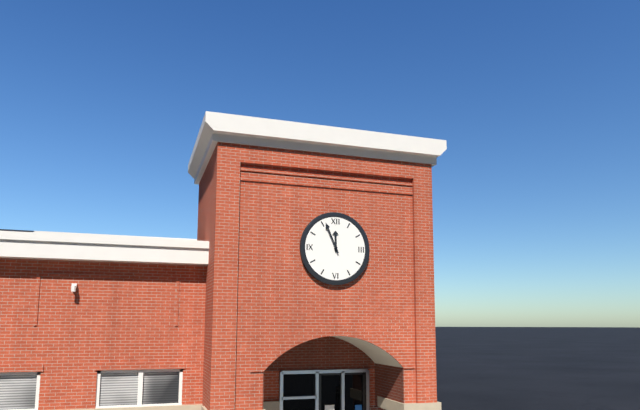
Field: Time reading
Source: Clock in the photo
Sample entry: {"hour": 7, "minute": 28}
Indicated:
{"hour": 11, "minute": 56}
